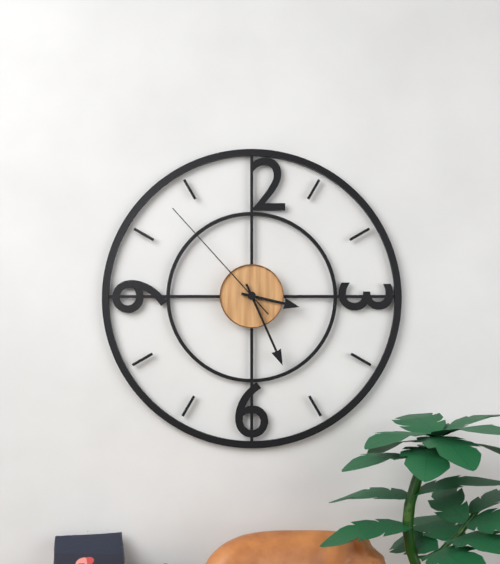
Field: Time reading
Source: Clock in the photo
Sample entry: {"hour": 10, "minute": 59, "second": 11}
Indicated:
{"hour": 3, "minute": 26, "second": 53}
